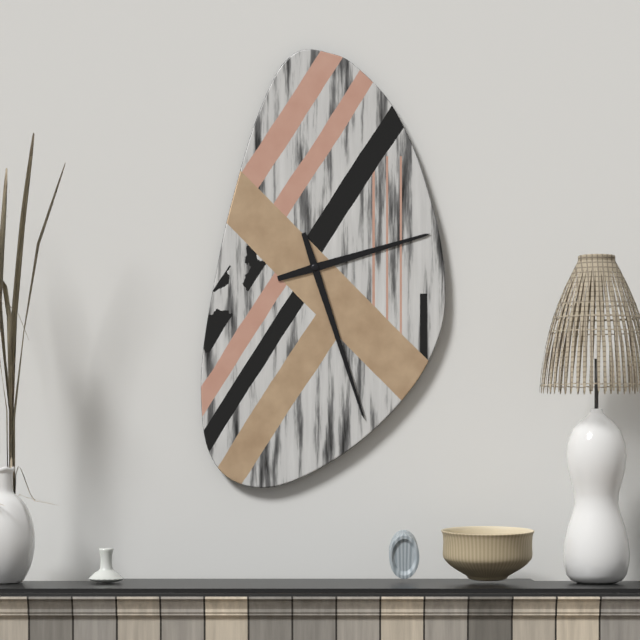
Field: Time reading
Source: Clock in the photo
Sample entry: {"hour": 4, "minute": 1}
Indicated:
{"hour": 2, "minute": 27}
